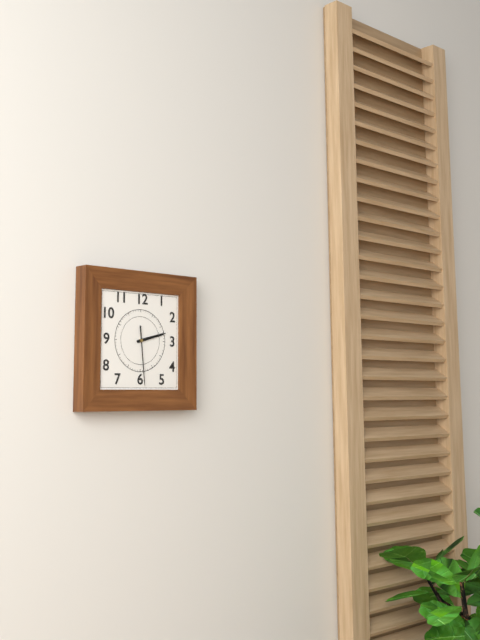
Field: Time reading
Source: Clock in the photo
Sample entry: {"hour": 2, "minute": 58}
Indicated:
{"hour": 2, "minute": 29}
